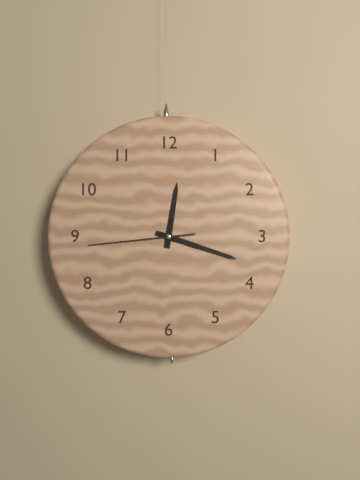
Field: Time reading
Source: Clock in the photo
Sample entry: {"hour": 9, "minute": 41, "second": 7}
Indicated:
{"hour": 12, "minute": 18, "second": 44}
